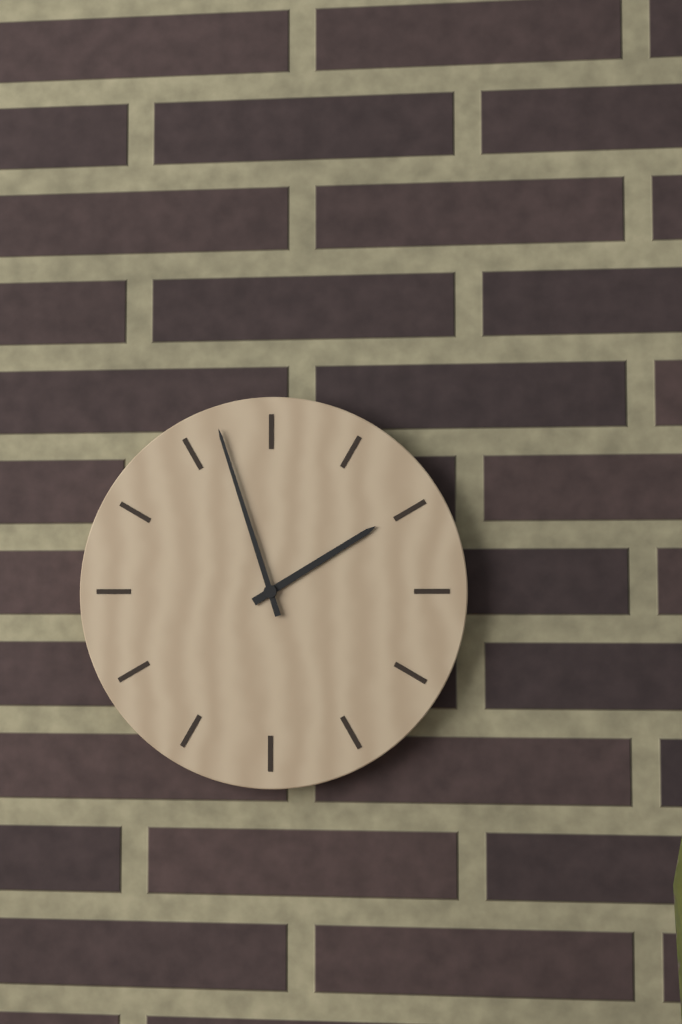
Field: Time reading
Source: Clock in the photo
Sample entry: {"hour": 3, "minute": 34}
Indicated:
{"hour": 1, "minute": 57}
